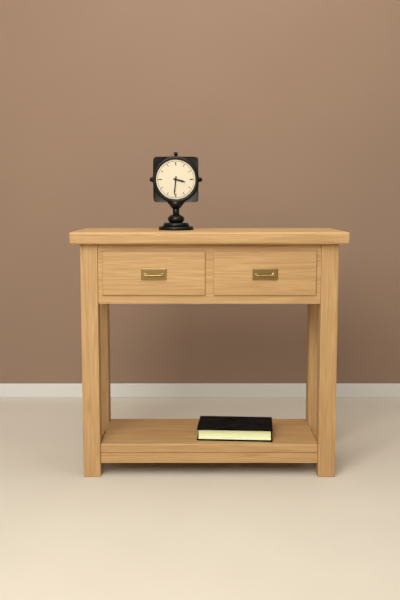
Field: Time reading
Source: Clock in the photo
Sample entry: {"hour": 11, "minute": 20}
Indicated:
{"hour": 3, "minute": 31}
